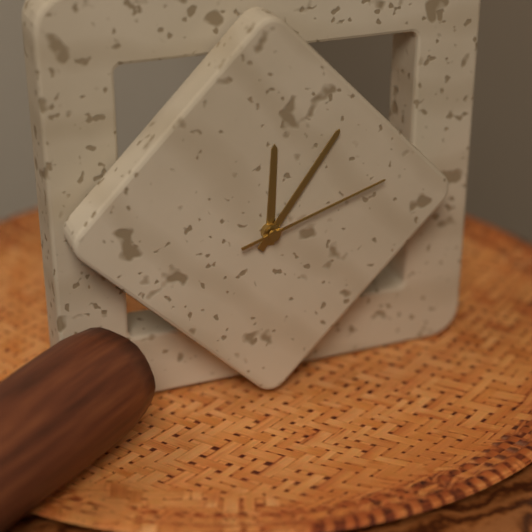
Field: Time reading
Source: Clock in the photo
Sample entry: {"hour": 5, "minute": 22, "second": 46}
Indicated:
{"hour": 12, "minute": 6, "second": 12}
